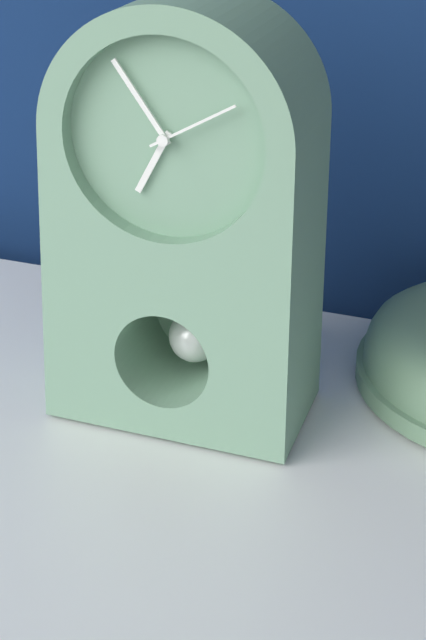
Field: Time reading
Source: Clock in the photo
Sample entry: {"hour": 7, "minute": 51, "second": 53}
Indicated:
{"hour": 6, "minute": 54, "second": 10}
